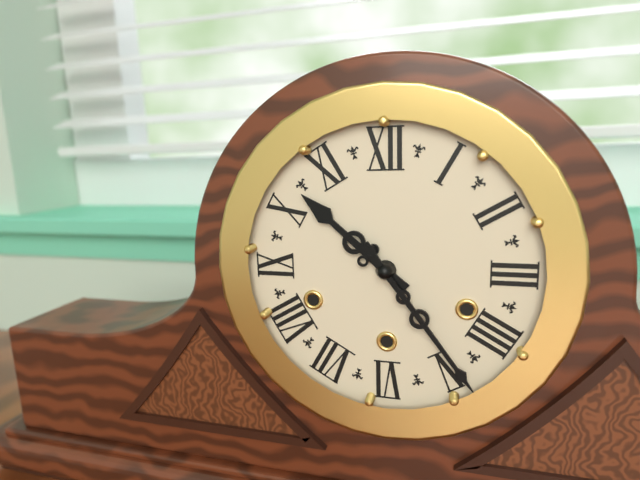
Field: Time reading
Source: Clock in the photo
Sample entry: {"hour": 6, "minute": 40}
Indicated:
{"hour": 10, "minute": 24}
